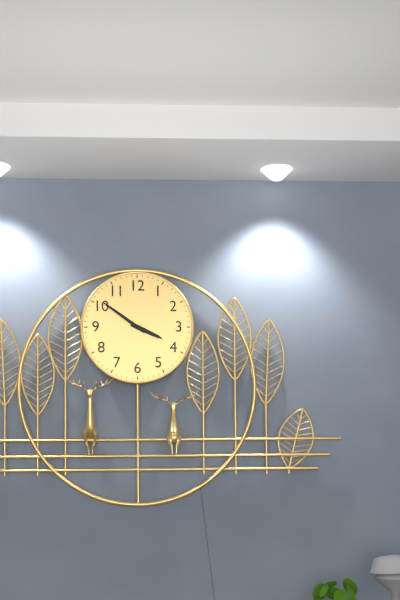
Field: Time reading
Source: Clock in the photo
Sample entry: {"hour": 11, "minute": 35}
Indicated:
{"hour": 3, "minute": 51}
